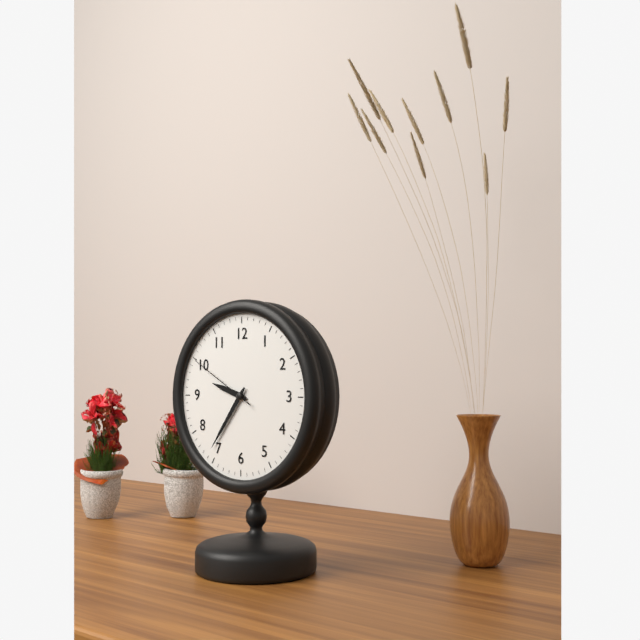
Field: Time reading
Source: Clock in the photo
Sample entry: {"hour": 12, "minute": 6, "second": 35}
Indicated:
{"hour": 9, "minute": 36, "second": 50}
